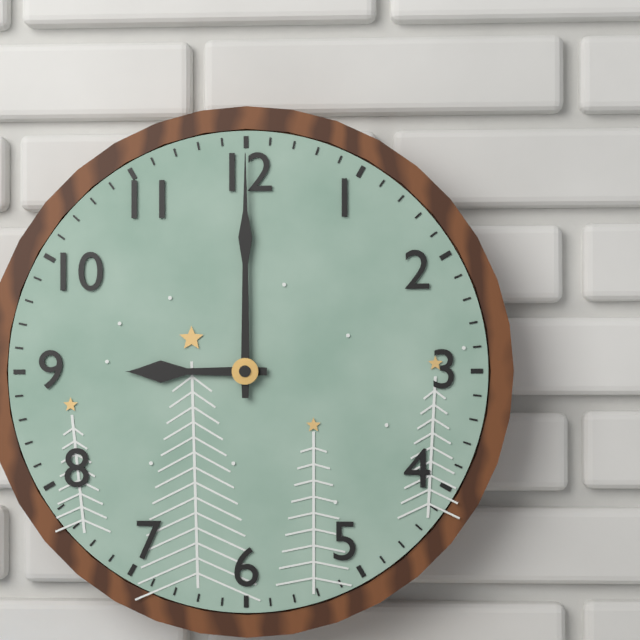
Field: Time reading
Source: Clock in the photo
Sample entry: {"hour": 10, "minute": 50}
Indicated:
{"hour": 9, "minute": 0}
